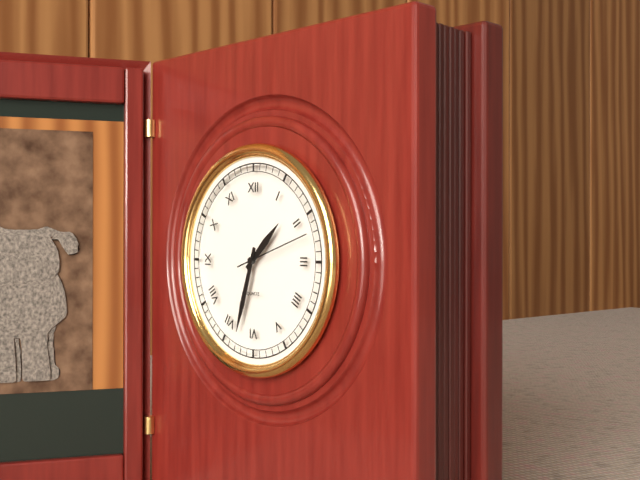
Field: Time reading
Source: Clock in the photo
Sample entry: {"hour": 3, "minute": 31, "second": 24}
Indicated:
{"hour": 1, "minute": 33, "second": 12}
